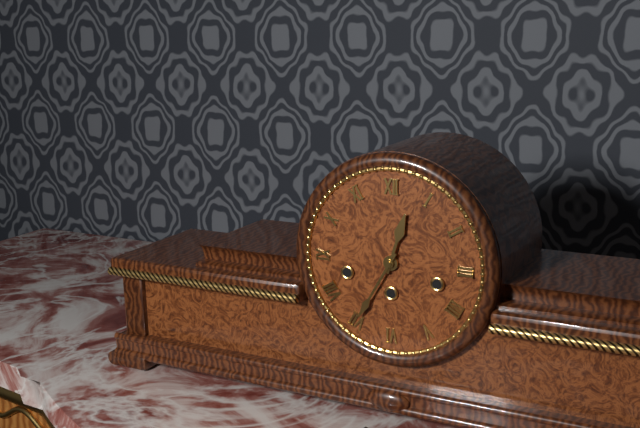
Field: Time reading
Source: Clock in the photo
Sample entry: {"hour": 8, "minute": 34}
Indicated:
{"hour": 12, "minute": 35}
